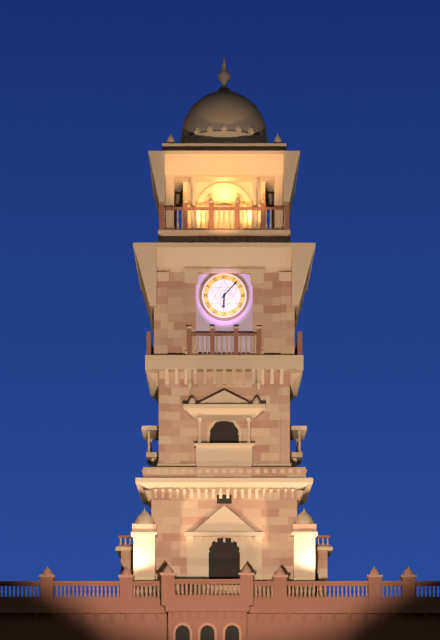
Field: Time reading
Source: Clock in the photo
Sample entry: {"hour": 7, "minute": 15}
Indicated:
{"hour": 6, "minute": 7}
